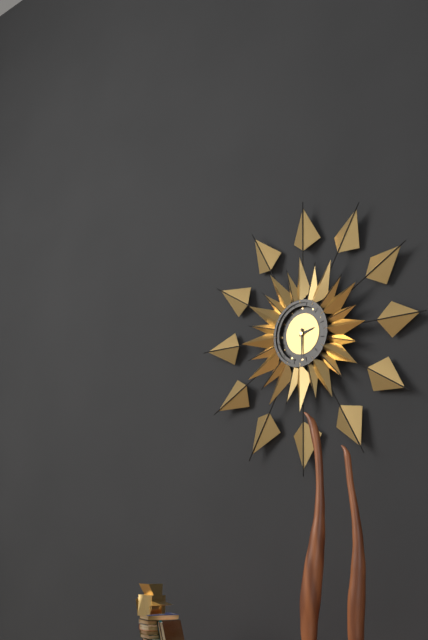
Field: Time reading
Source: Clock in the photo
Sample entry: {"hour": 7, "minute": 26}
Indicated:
{"hour": 2, "minute": 30}
